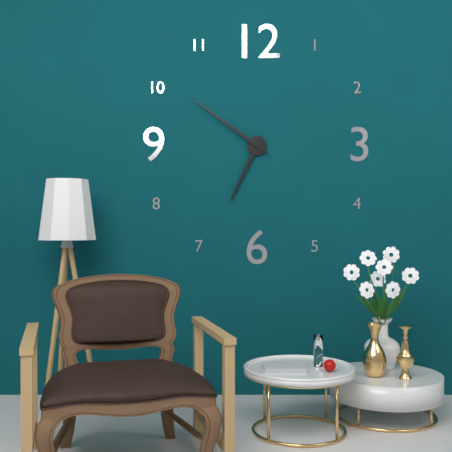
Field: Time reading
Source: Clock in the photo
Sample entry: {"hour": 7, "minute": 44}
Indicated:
{"hour": 6, "minute": 51}
